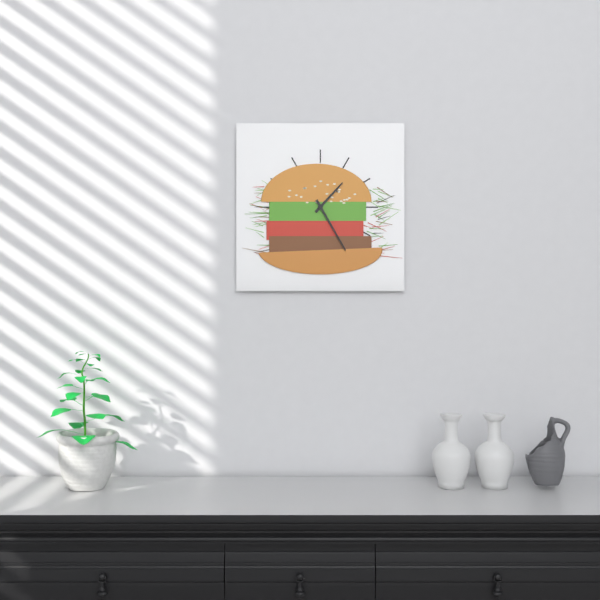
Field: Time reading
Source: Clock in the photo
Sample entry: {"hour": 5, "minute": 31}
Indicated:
{"hour": 1, "minute": 25}
